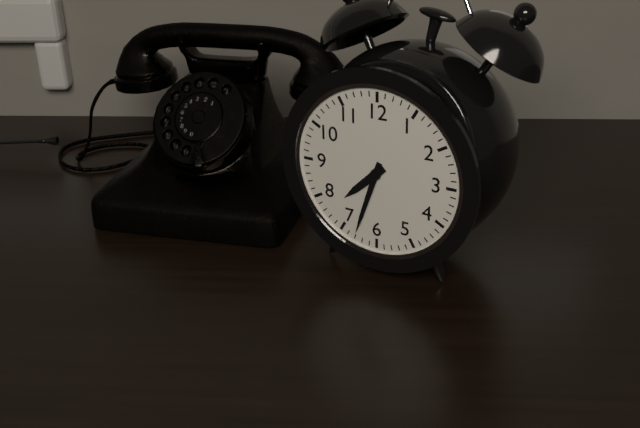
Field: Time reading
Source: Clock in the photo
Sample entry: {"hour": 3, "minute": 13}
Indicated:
{"hour": 7, "minute": 33}
